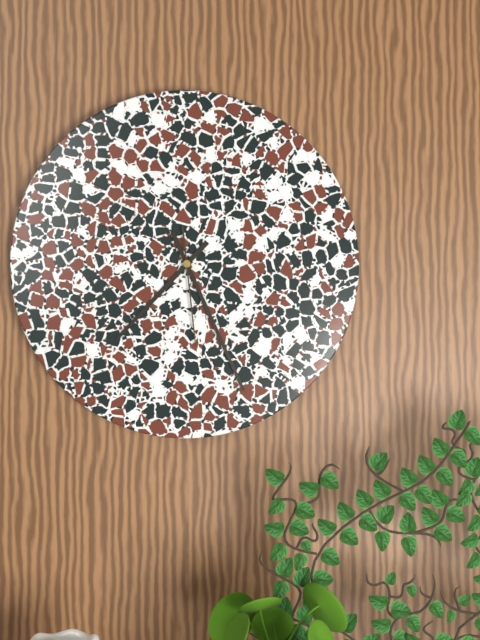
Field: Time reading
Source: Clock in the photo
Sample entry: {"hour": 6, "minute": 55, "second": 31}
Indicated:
{"hour": 7, "minute": 26, "second": 29}
